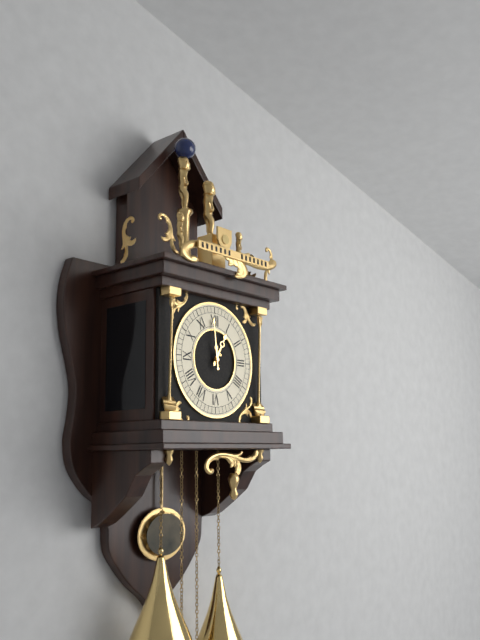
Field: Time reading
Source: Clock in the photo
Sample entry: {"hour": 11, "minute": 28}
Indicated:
{"hour": 12, "minute": 59}
